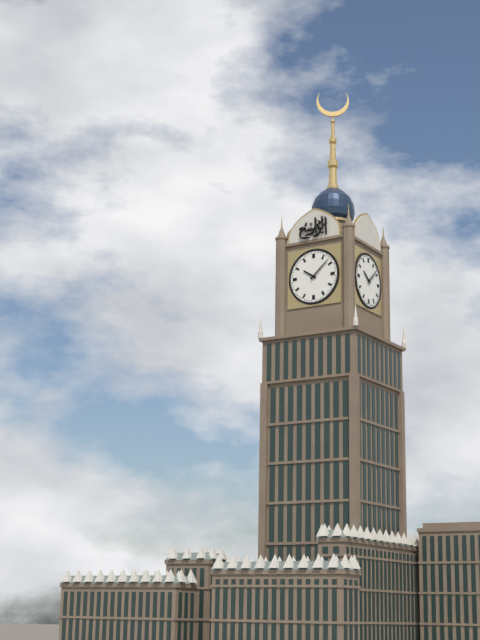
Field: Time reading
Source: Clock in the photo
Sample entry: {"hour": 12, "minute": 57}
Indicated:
{"hour": 10, "minute": 8}
